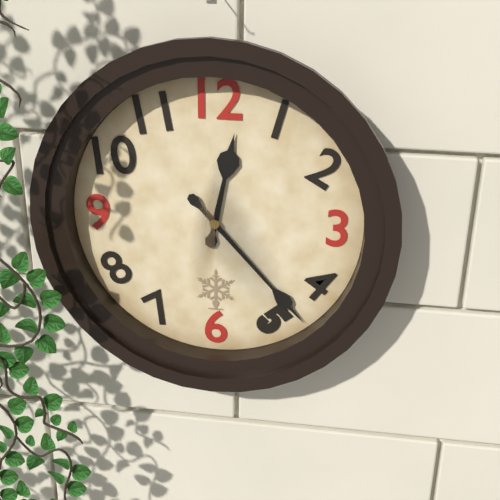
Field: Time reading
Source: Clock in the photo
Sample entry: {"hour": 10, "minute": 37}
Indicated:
{"hour": 12, "minute": 23}
